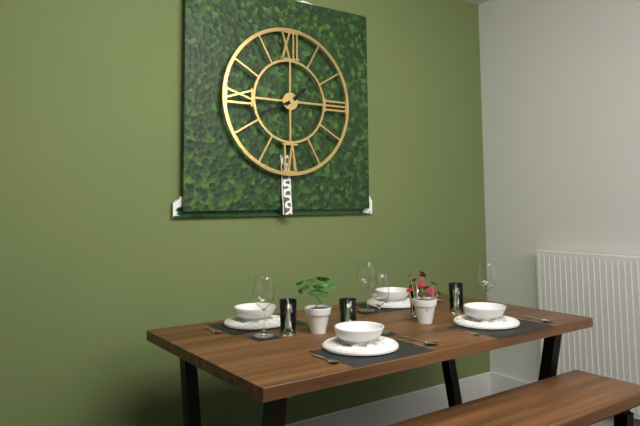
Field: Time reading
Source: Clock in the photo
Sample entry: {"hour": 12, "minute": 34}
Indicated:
{"hour": 1, "minute": 41}
